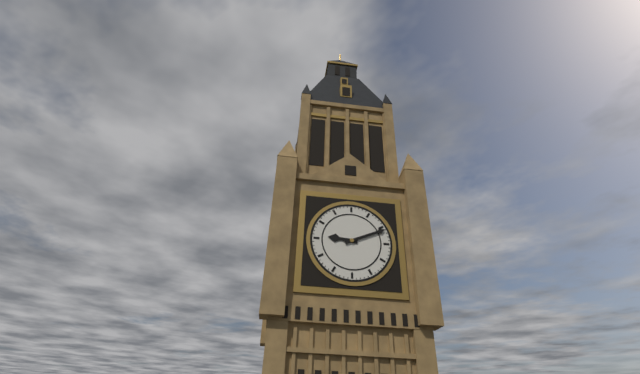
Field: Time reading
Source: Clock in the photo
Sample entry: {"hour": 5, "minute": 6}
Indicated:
{"hour": 9, "minute": 11}
